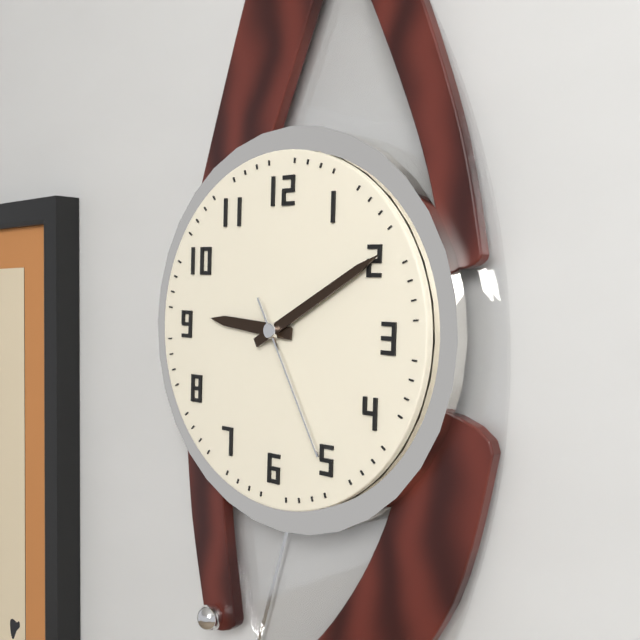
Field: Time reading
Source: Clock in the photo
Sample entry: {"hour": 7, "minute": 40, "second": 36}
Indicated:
{"hour": 9, "minute": 10, "second": 25}
